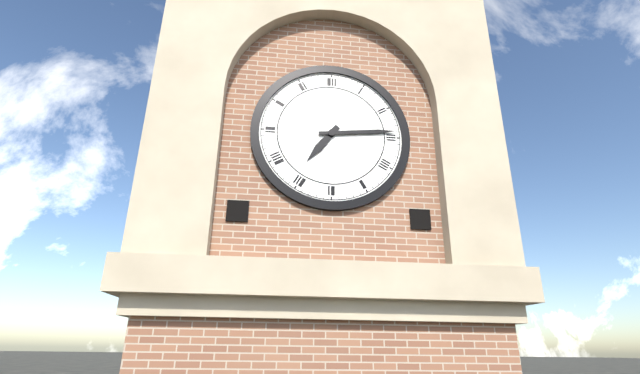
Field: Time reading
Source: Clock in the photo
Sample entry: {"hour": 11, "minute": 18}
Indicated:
{"hour": 7, "minute": 14}
